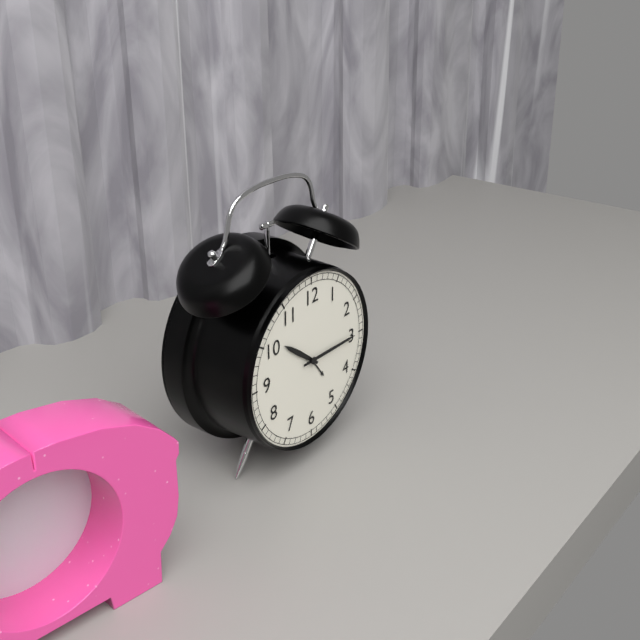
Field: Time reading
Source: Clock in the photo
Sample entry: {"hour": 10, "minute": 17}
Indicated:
{"hour": 10, "minute": 15}
